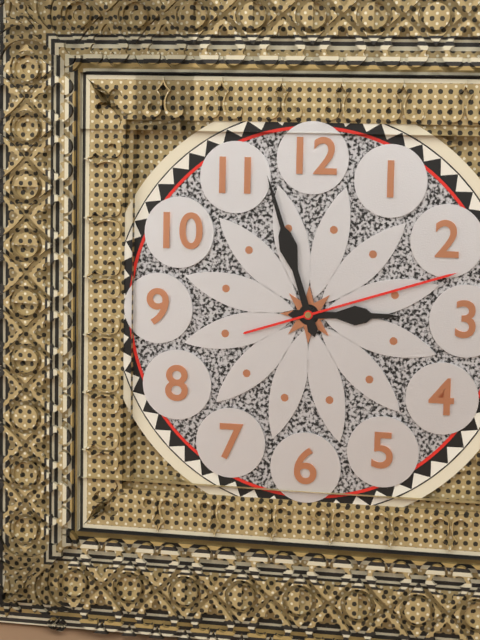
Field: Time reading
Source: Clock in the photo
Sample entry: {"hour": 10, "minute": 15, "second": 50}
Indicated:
{"hour": 2, "minute": 57, "second": 12}
